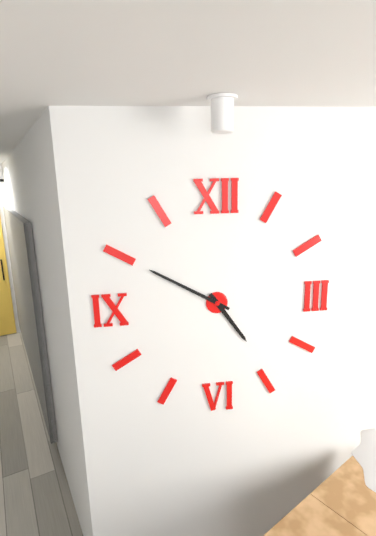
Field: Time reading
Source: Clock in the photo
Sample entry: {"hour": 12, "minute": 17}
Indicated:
{"hour": 4, "minute": 50}
